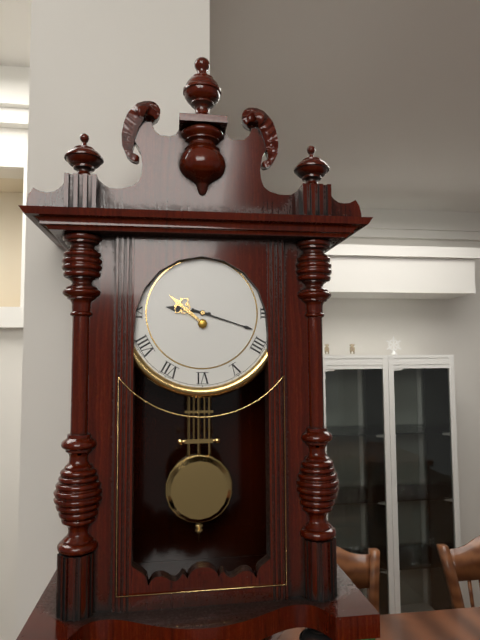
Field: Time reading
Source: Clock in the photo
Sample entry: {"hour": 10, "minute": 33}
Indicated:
{"hour": 9, "minute": 18}
